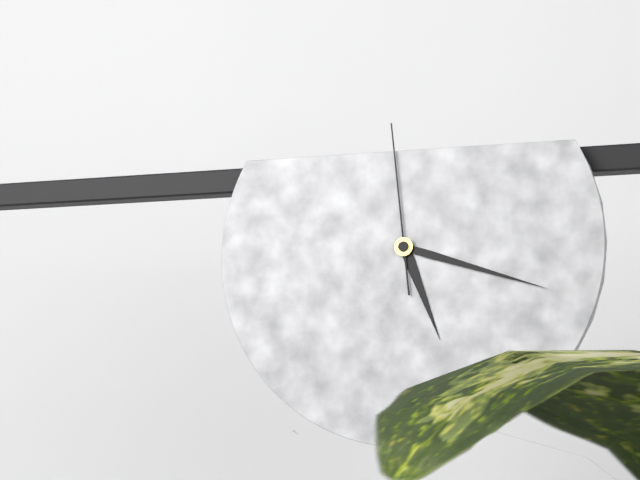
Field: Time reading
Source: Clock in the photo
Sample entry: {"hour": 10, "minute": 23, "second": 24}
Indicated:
{"hour": 5, "minute": 18, "second": 59}
